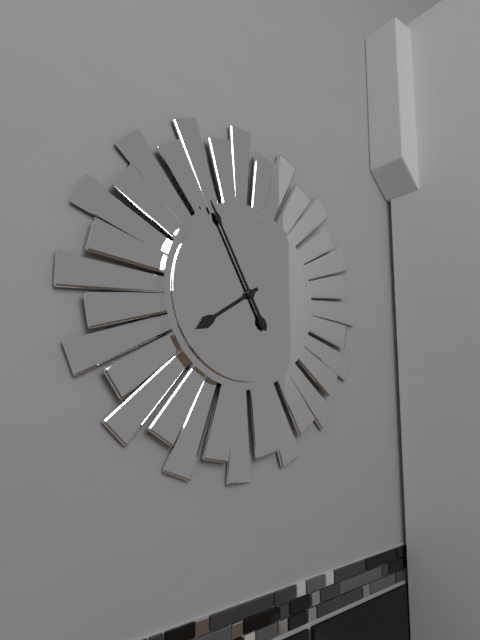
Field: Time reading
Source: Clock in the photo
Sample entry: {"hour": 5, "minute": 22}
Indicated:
{"hour": 7, "minute": 55}
